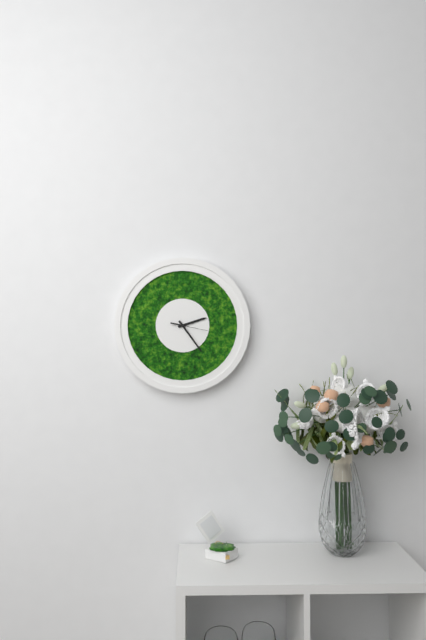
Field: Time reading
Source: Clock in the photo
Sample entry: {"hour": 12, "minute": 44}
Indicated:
{"hour": 2, "minute": 24}
